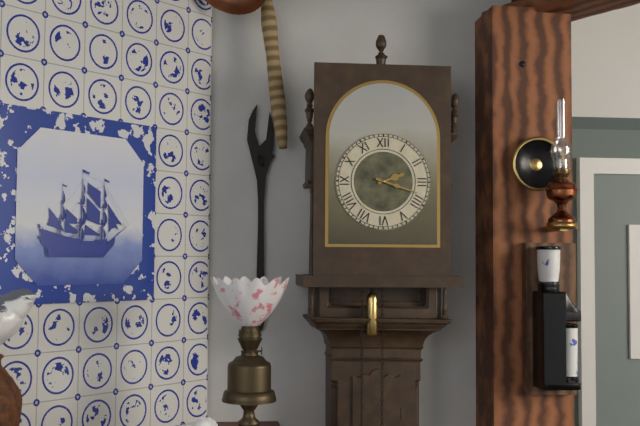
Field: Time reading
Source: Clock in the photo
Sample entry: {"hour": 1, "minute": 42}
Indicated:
{"hour": 2, "minute": 18}
